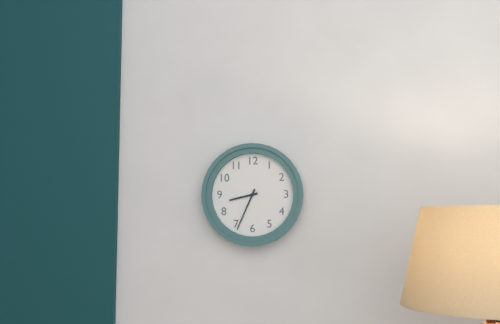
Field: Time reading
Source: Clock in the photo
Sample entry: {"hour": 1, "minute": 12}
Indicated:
{"hour": 8, "minute": 34}
